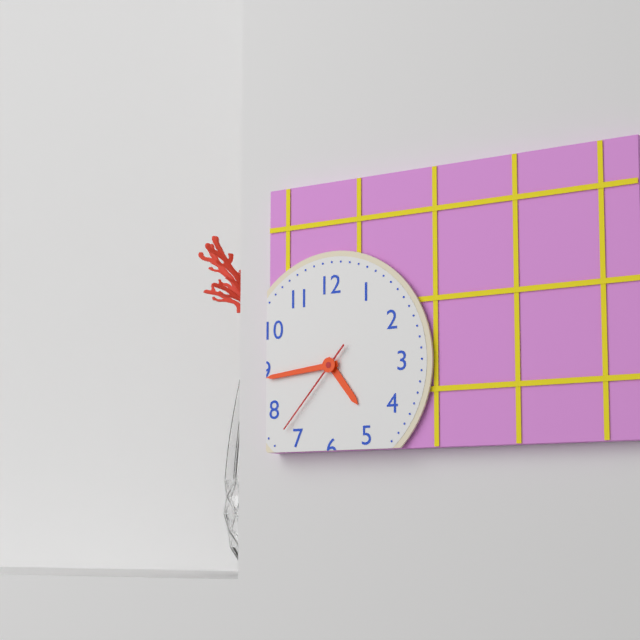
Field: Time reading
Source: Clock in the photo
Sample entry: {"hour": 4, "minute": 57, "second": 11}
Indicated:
{"hour": 4, "minute": 44, "second": 37}
